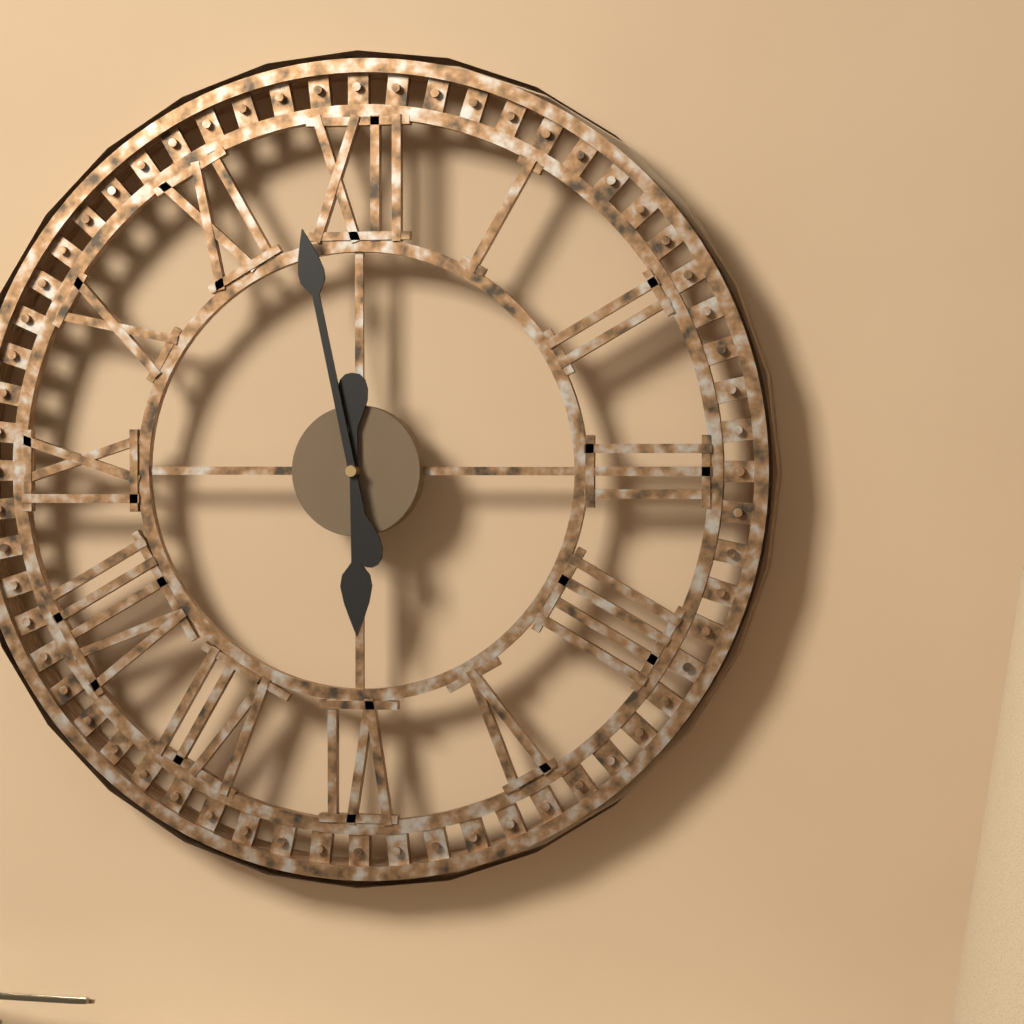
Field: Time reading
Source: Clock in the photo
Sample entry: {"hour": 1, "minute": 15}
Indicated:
{"hour": 5, "minute": 58}
